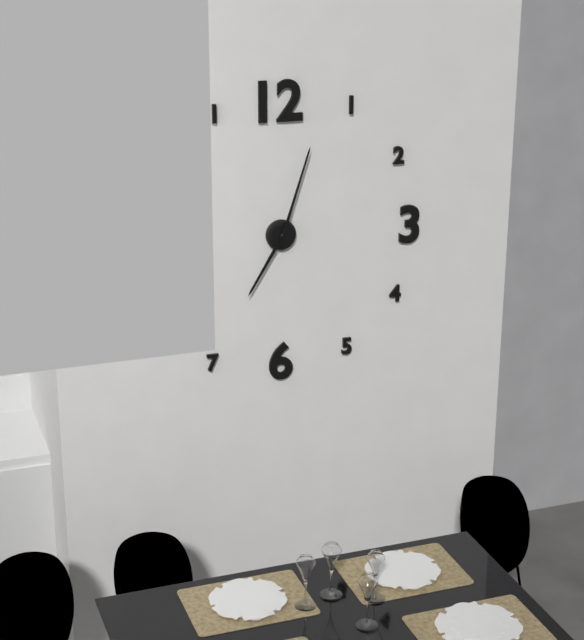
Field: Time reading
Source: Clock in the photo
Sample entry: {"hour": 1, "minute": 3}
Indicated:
{"hour": 7, "minute": 3}
